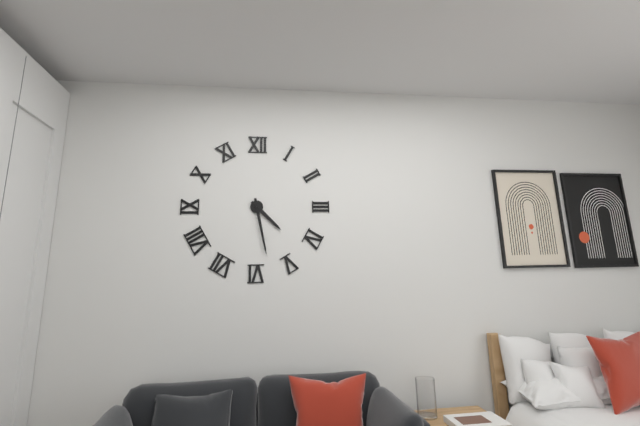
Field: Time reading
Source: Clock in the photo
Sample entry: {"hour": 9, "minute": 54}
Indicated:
{"hour": 4, "minute": 28}
